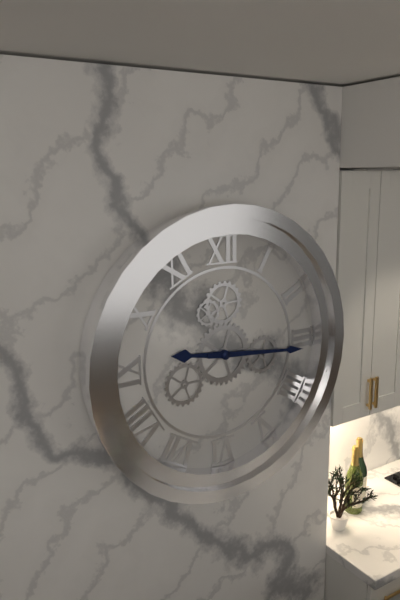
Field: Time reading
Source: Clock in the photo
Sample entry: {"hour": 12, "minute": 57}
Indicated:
{"hour": 9, "minute": 16}
